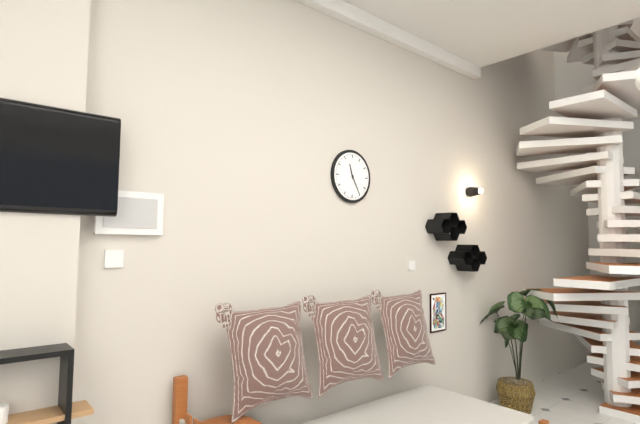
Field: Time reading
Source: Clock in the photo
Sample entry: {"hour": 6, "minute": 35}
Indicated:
{"hour": 11, "minute": 25}
